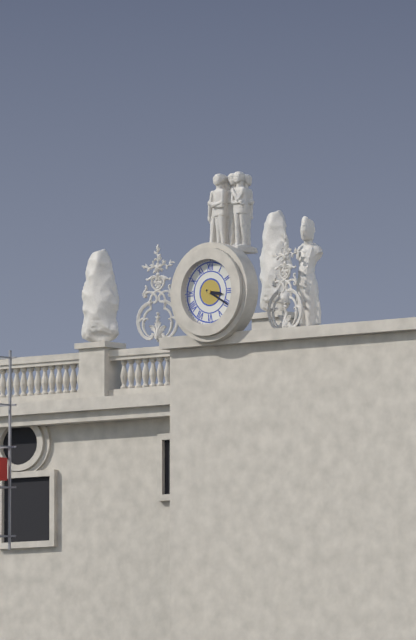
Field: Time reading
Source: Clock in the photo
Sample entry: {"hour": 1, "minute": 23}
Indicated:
{"hour": 3, "minute": 20}
